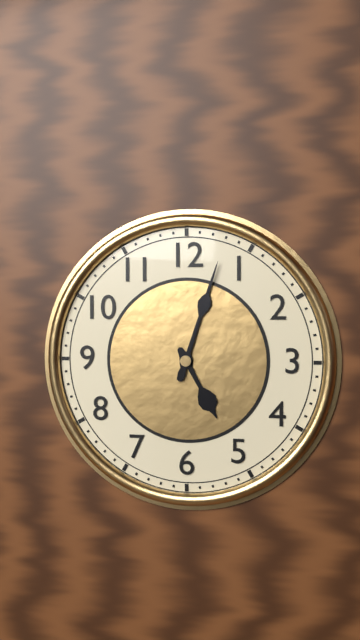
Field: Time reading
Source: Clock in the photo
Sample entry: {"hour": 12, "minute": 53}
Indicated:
{"hour": 5, "minute": 3}
